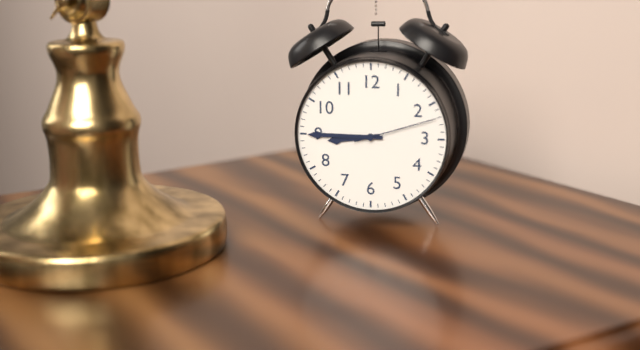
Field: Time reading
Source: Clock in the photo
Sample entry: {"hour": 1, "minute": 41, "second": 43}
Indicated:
{"hour": 8, "minute": 45, "second": 12}
